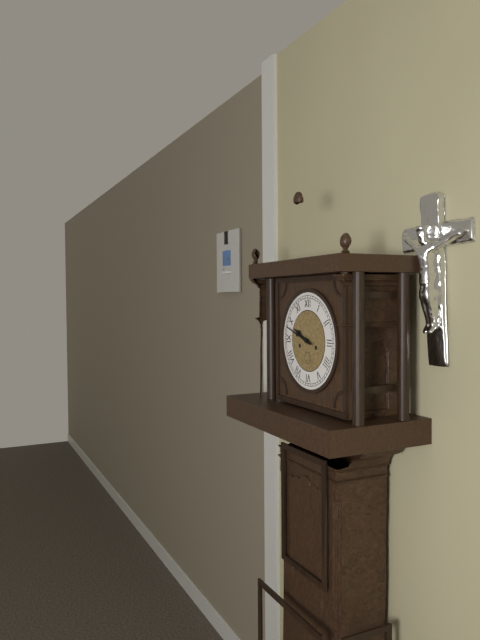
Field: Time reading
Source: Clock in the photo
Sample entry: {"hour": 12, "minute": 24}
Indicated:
{"hour": 9, "minute": 48}
